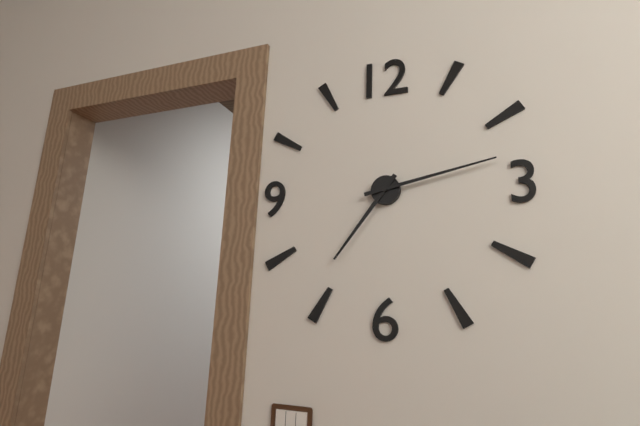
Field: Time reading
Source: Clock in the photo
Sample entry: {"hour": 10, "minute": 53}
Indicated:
{"hour": 7, "minute": 13}
